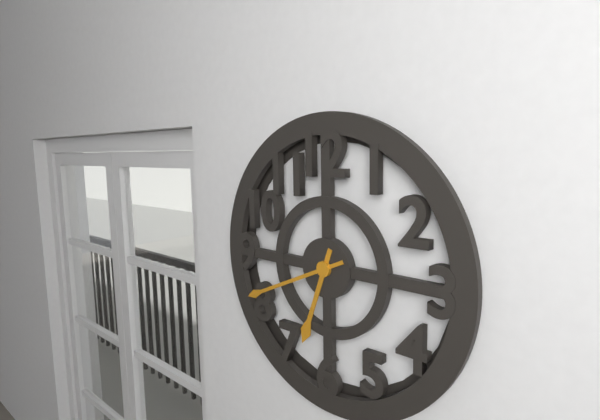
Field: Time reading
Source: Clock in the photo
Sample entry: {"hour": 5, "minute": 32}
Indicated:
{"hour": 6, "minute": 41}
